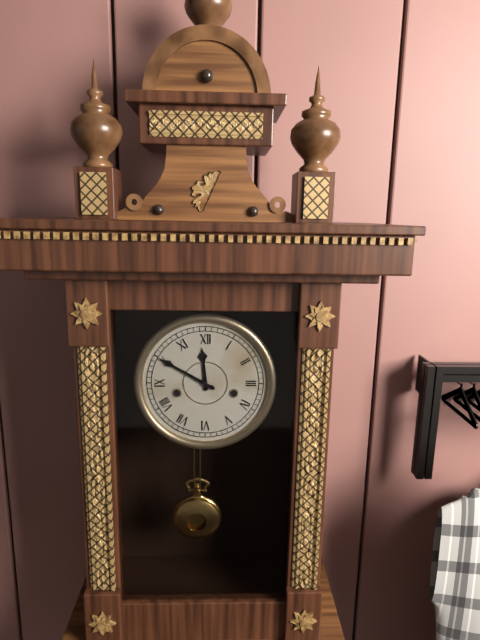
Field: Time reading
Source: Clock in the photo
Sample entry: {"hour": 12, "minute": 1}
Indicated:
{"hour": 11, "minute": 50}
